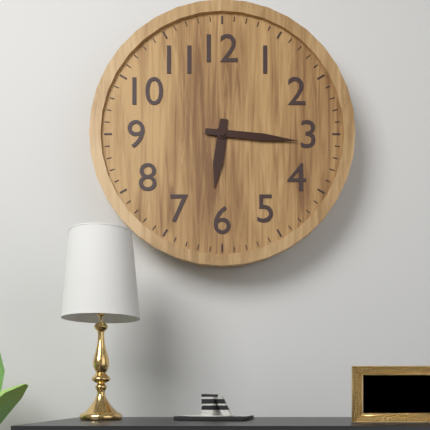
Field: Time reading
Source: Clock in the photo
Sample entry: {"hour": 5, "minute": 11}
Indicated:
{"hour": 6, "minute": 16}
